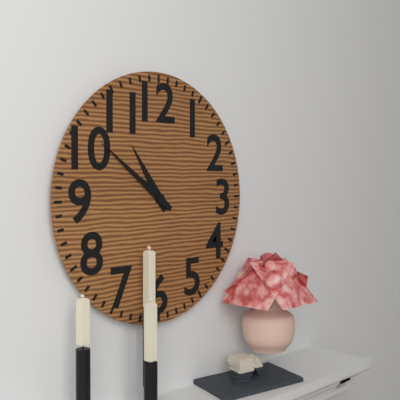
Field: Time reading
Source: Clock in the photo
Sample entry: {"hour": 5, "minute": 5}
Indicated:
{"hour": 10, "minute": 51}
